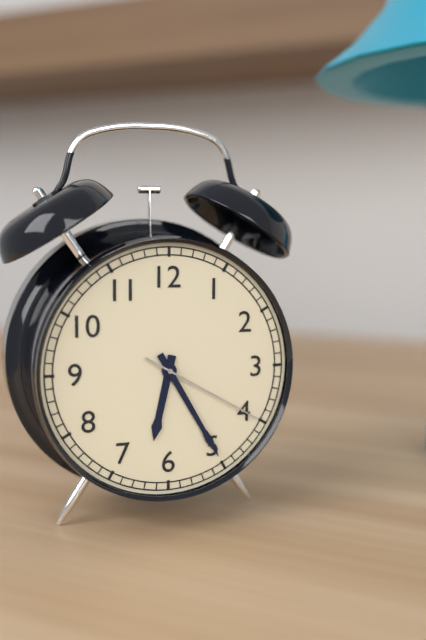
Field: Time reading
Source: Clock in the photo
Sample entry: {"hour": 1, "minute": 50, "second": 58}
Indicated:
{"hour": 6, "minute": 25, "second": 20}
